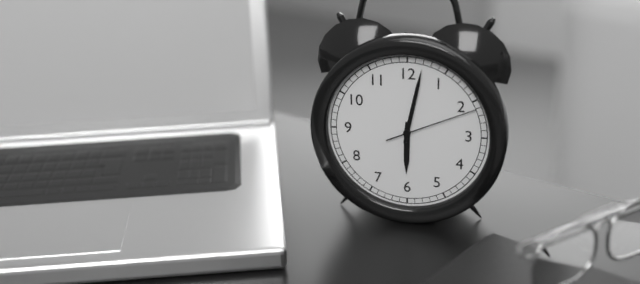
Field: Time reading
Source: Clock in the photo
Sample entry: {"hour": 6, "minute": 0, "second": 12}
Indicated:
{"hour": 6, "minute": 2, "second": 11}
